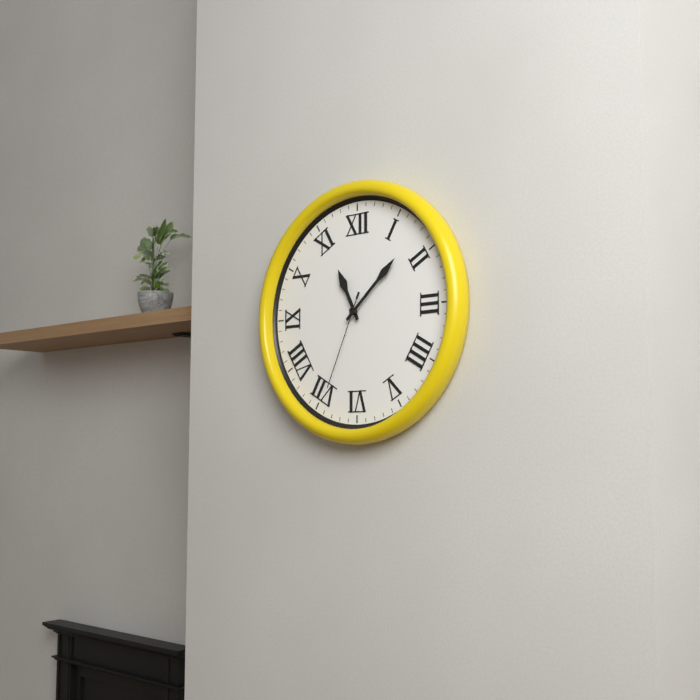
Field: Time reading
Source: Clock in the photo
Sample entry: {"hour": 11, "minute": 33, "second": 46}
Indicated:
{"hour": 11, "minute": 8, "second": 34}
